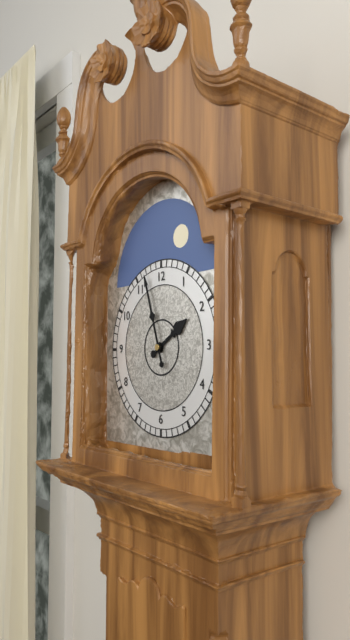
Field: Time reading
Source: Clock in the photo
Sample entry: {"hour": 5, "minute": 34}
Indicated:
{"hour": 1, "minute": 57}
